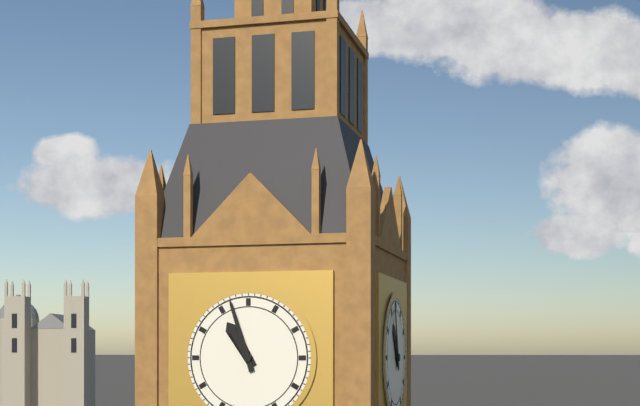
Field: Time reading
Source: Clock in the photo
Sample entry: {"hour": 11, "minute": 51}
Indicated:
{"hour": 10, "minute": 57}
